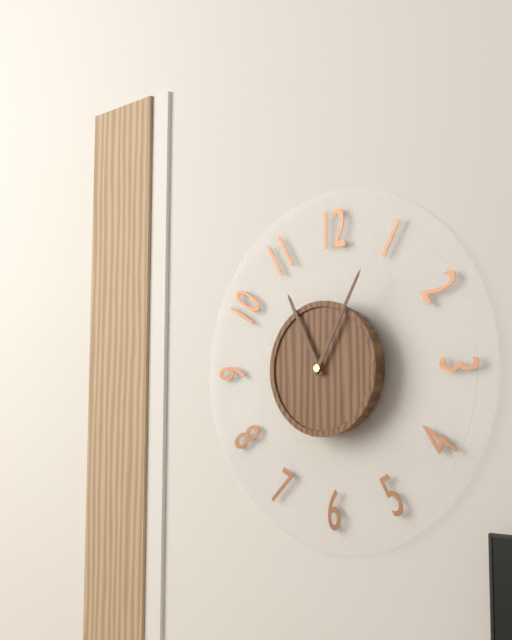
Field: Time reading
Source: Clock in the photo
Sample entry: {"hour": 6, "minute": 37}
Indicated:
{"hour": 11, "minute": 5}
